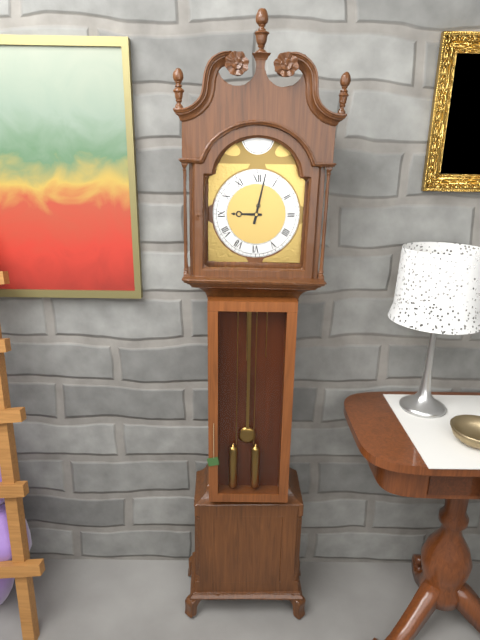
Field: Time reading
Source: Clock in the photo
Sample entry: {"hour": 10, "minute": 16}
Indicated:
{"hour": 9, "minute": 2}
